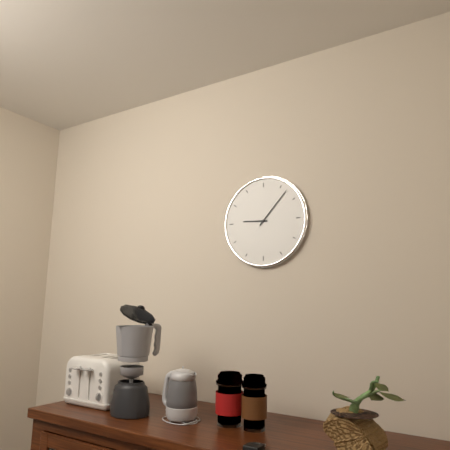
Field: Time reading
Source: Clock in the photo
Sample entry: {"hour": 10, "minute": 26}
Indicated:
{"hour": 9, "minute": 7}
